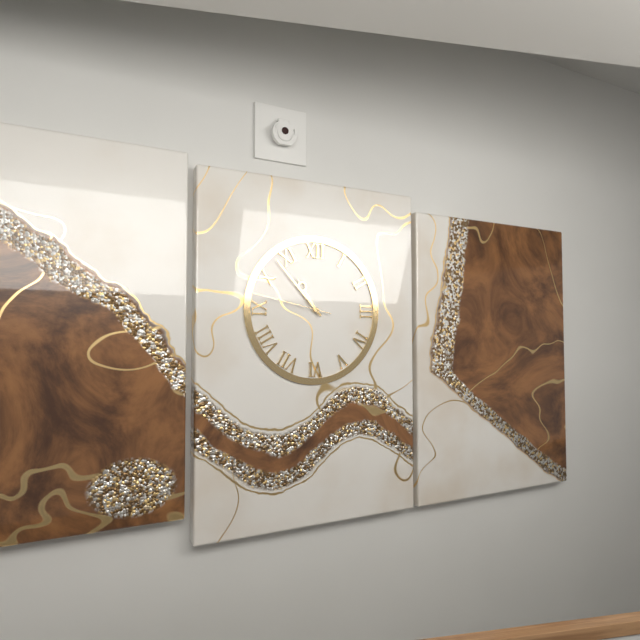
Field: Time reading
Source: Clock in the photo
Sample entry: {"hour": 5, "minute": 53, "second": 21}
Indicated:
{"hour": 10, "minute": 53, "second": 47}
